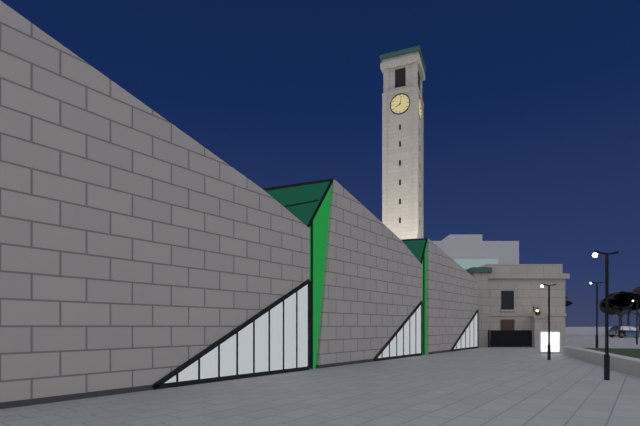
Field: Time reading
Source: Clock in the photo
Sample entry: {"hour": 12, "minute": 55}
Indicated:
{"hour": 8, "minute": 2}
